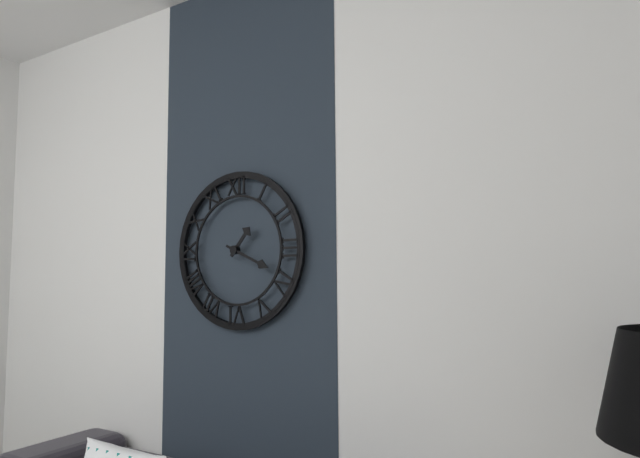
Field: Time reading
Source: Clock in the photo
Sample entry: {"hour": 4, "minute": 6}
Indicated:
{"hour": 1, "minute": 19}
